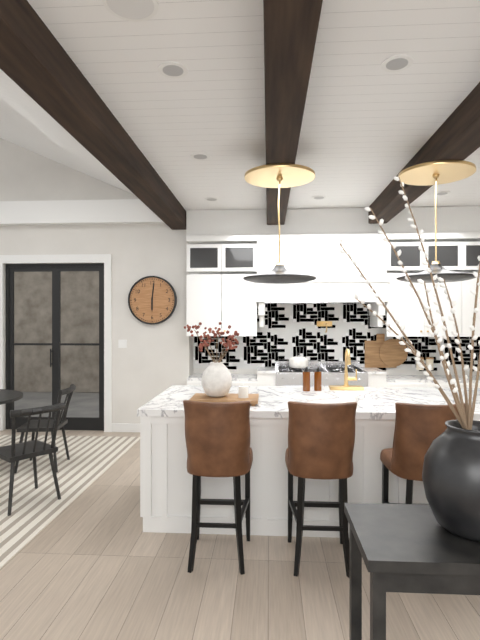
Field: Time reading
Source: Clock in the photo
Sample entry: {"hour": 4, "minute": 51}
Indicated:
{"hour": 6, "minute": 1}
